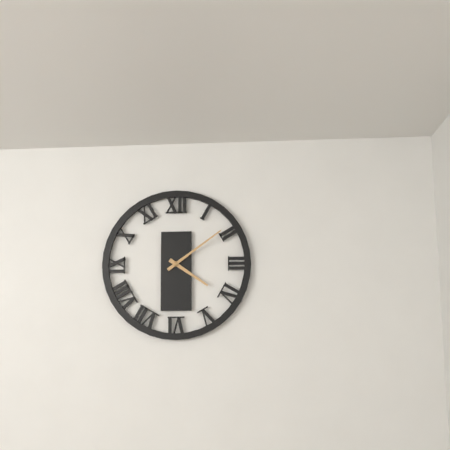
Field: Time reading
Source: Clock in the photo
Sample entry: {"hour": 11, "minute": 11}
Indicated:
{"hour": 4, "minute": 9}
